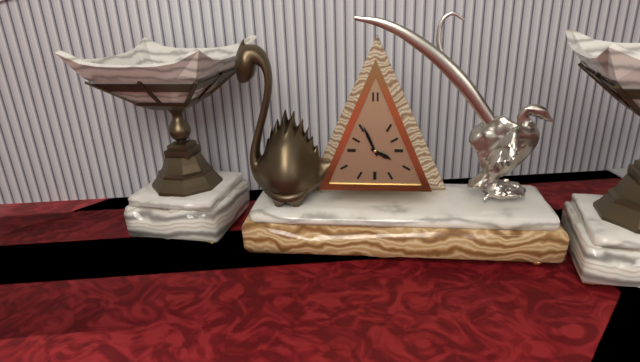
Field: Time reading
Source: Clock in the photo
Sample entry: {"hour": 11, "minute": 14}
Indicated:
{"hour": 3, "minute": 56}
